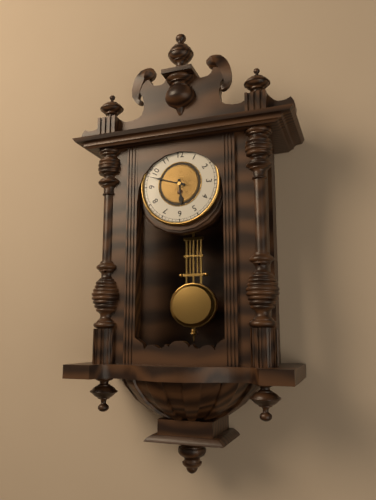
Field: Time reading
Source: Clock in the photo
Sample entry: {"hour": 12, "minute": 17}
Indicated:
{"hour": 5, "minute": 48}
